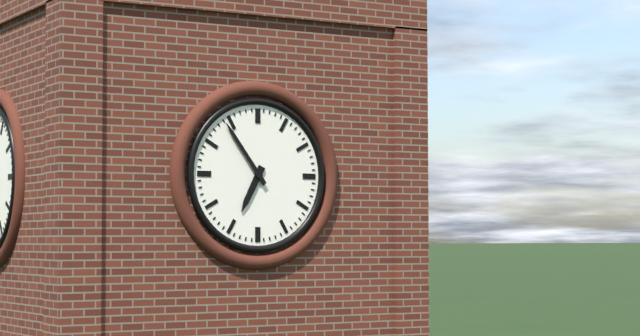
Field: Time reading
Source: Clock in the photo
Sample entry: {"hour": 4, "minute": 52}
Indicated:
{"hour": 6, "minute": 54}
